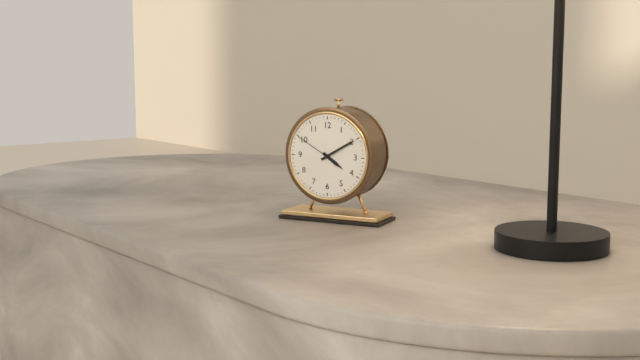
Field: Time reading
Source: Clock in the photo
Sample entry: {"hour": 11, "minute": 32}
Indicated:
{"hour": 4, "minute": 10}
